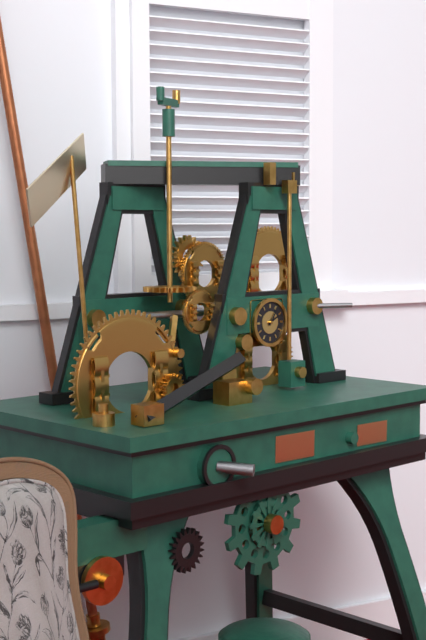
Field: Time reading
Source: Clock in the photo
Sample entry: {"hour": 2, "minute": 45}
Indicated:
{"hour": 2, "minute": 6}
